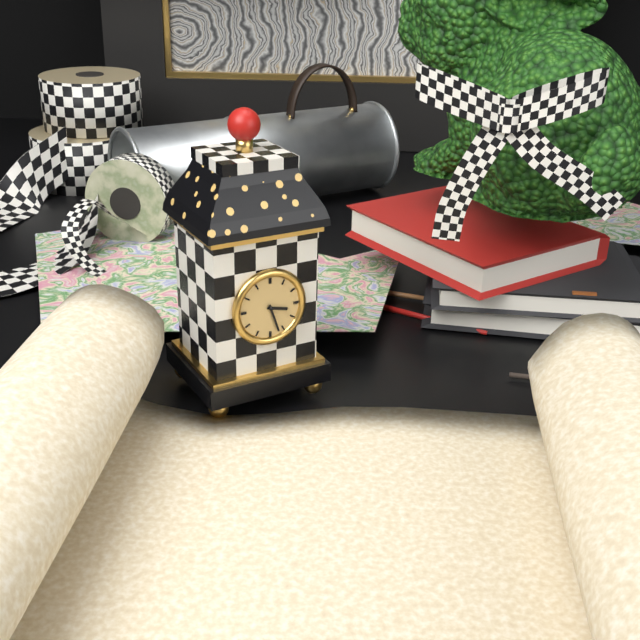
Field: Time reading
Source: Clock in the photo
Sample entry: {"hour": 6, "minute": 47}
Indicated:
{"hour": 3, "minute": 27}
